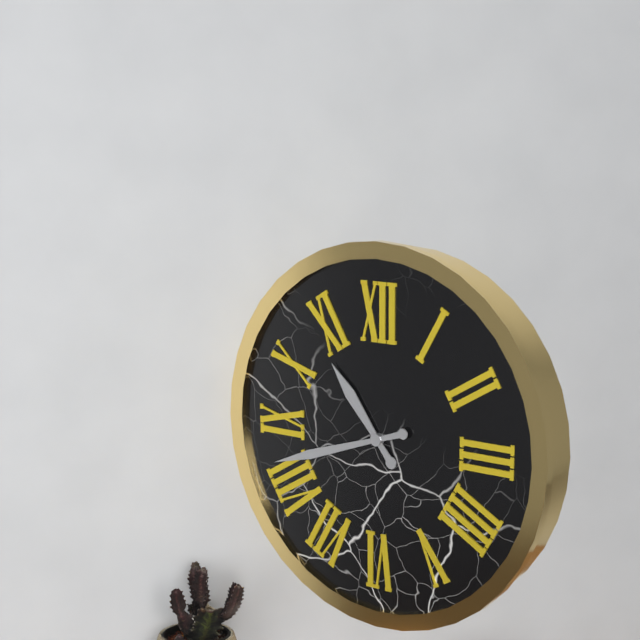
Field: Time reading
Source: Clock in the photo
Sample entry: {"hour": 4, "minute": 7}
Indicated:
{"hour": 10, "minute": 42}
